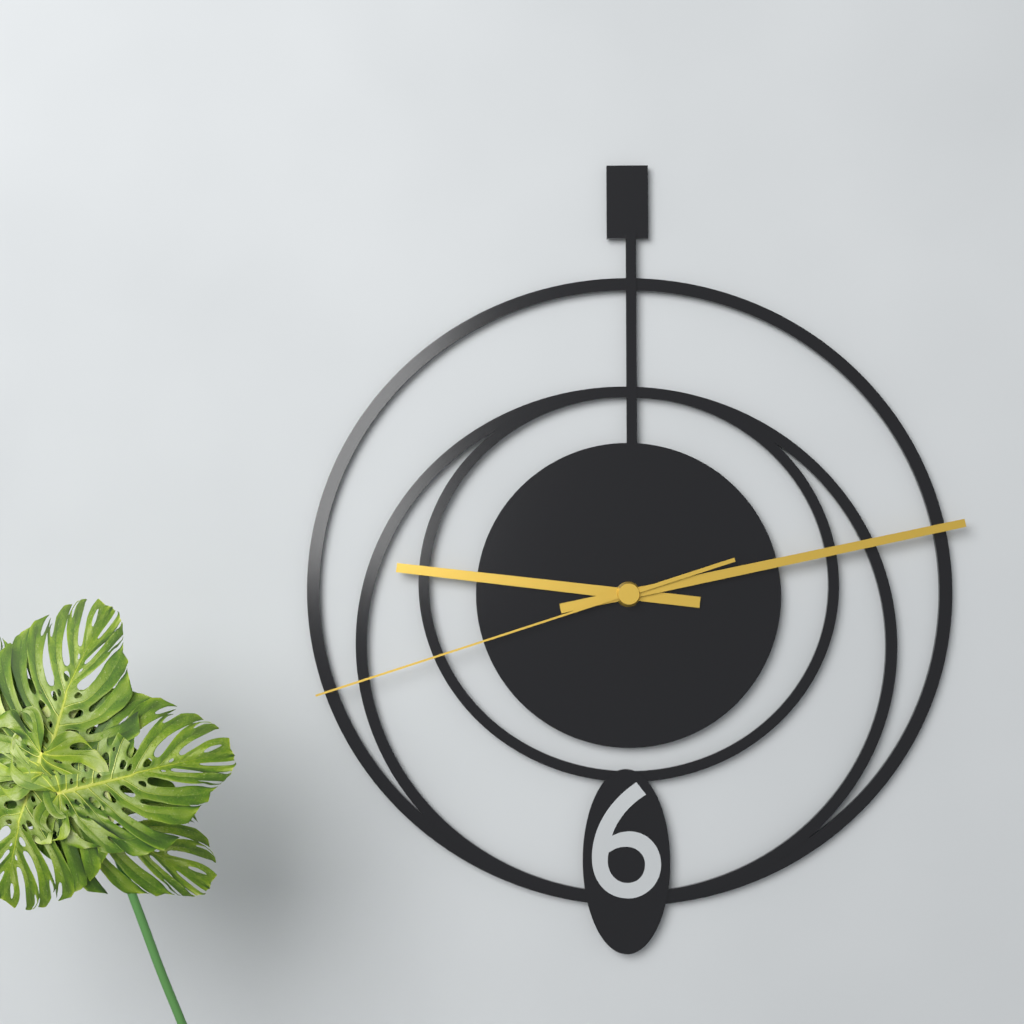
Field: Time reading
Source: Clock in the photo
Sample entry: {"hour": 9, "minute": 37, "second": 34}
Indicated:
{"hour": 9, "minute": 13, "second": 42}
